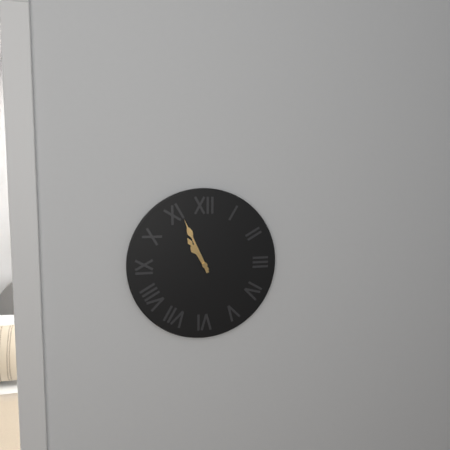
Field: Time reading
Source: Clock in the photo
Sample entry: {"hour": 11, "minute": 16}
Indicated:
{"hour": 10, "minute": 56}
